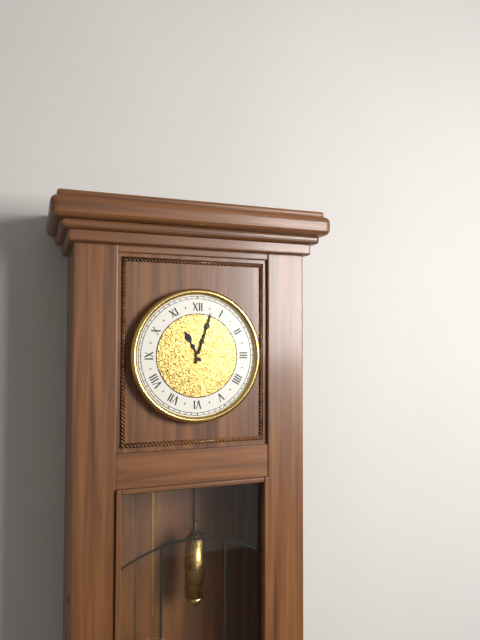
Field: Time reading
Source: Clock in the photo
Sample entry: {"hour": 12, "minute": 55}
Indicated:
{"hour": 11, "minute": 3}
